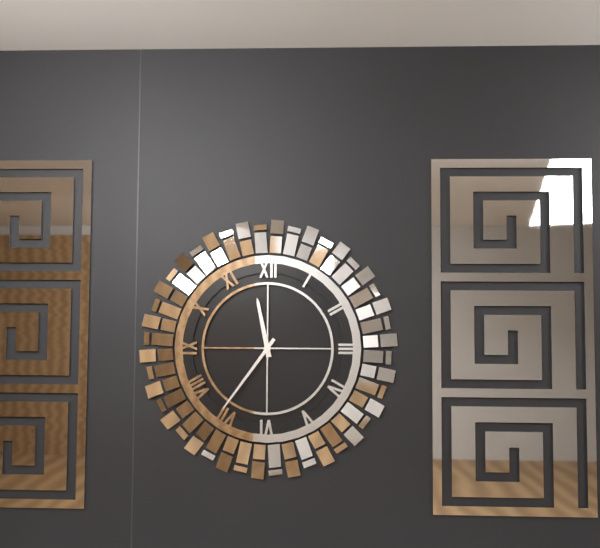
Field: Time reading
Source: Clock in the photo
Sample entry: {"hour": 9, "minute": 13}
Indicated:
{"hour": 11, "minute": 36}
